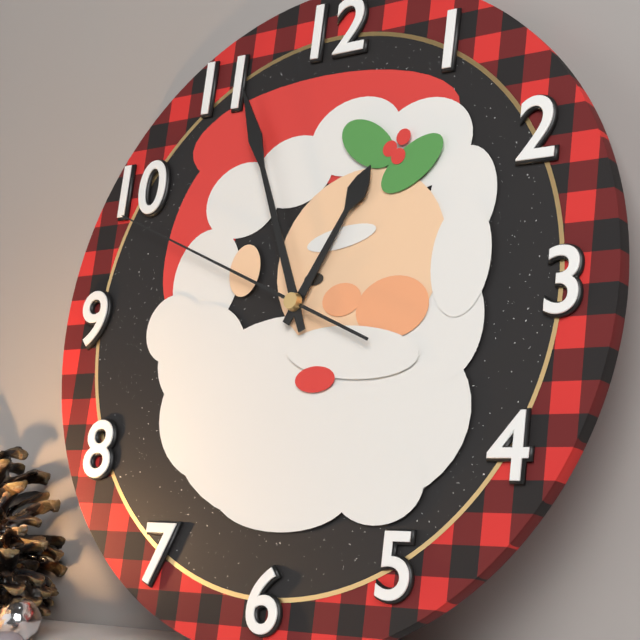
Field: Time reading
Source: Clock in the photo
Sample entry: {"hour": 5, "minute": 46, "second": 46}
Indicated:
{"hour": 12, "minute": 56, "second": 49}
